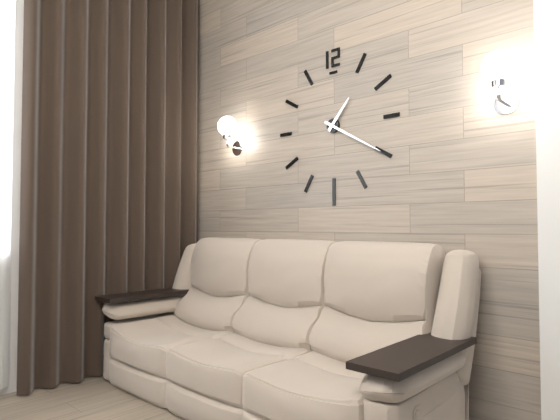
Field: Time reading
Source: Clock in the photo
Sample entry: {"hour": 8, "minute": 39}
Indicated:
{"hour": 1, "minute": 20}
